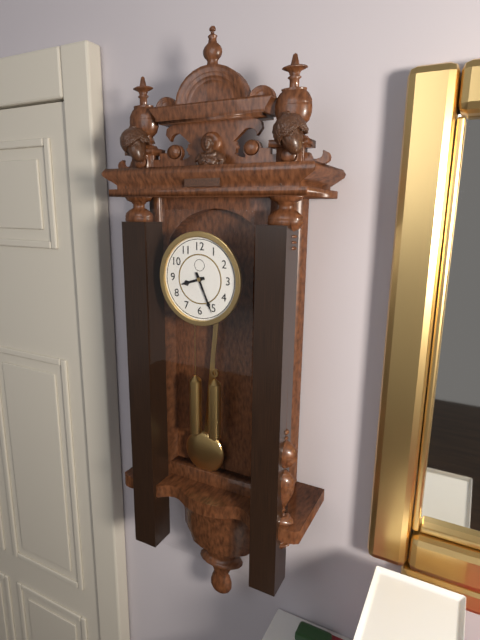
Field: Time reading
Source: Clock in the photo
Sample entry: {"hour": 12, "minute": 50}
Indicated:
{"hour": 8, "minute": 26}
